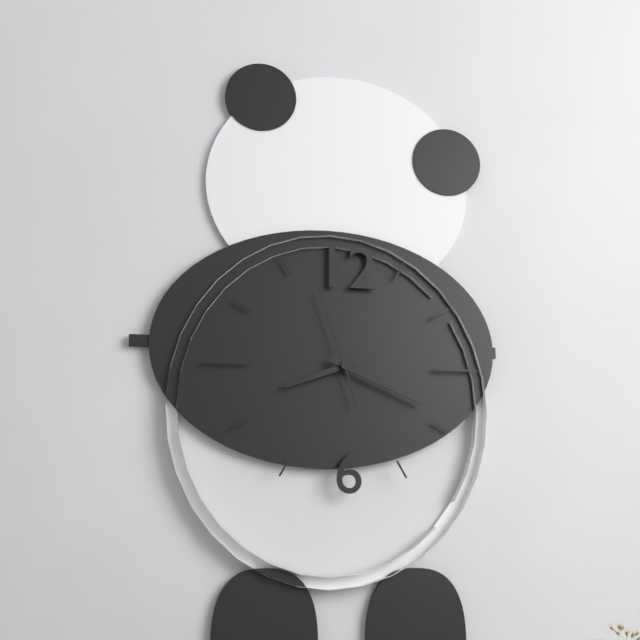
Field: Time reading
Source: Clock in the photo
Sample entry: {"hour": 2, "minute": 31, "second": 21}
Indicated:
{"hour": 8, "minute": 19, "second": 57}
